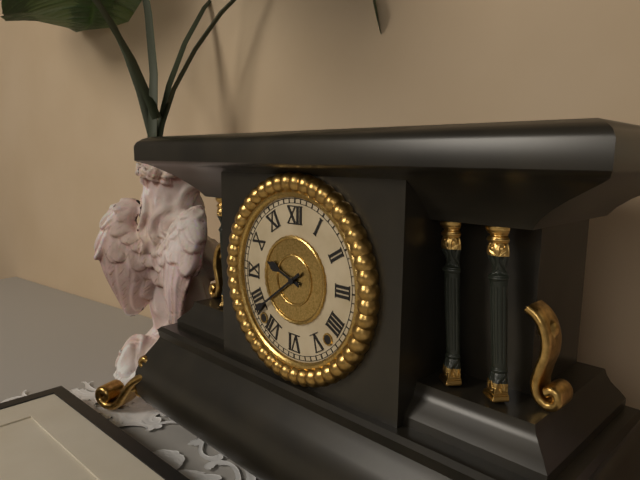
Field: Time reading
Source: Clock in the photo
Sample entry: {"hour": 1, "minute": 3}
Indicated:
{"hour": 9, "minute": 39}
